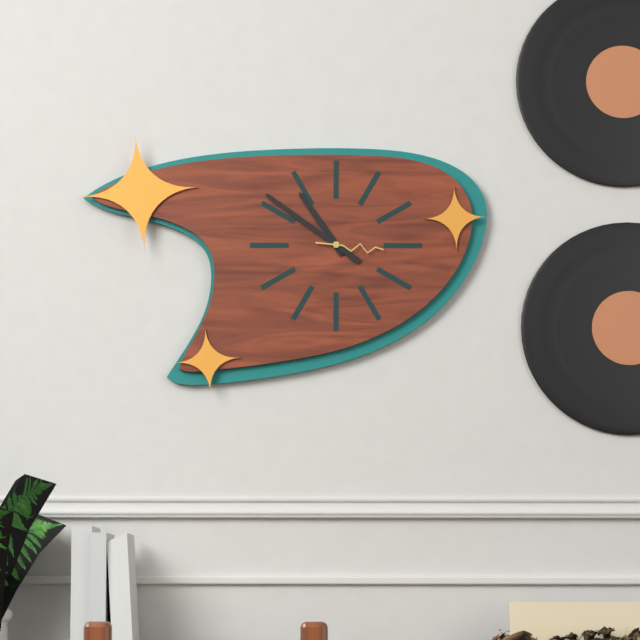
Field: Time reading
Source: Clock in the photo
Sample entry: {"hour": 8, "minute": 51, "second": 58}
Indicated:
{"hour": 10, "minute": 51, "second": 16}
